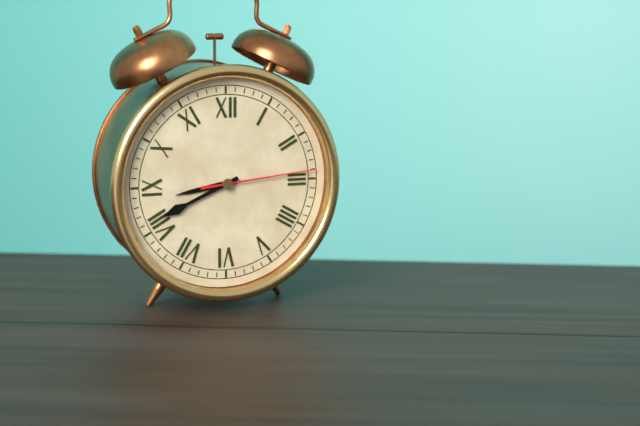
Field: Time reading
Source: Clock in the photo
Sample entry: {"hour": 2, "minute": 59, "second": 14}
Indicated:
{"hour": 8, "minute": 41, "second": 14}
